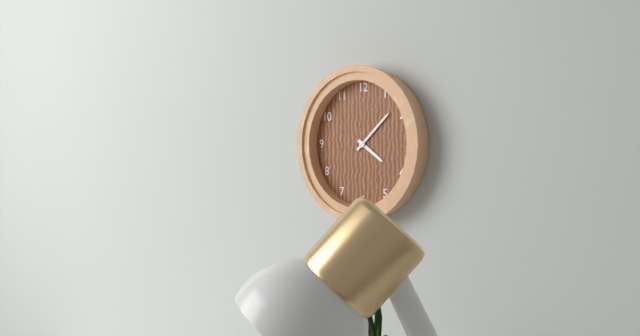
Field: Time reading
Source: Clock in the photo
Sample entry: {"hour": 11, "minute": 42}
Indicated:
{"hour": 4, "minute": 8}
